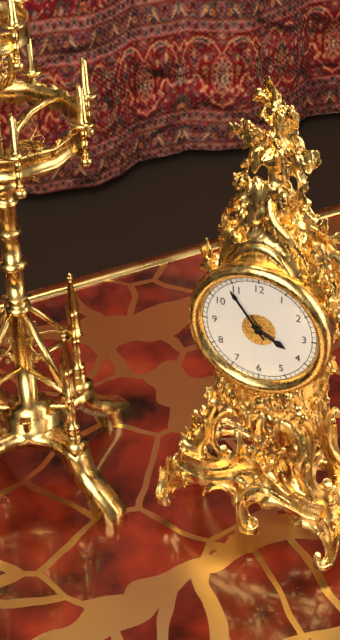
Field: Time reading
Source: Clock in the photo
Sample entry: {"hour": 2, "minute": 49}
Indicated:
{"hour": 3, "minute": 54}
